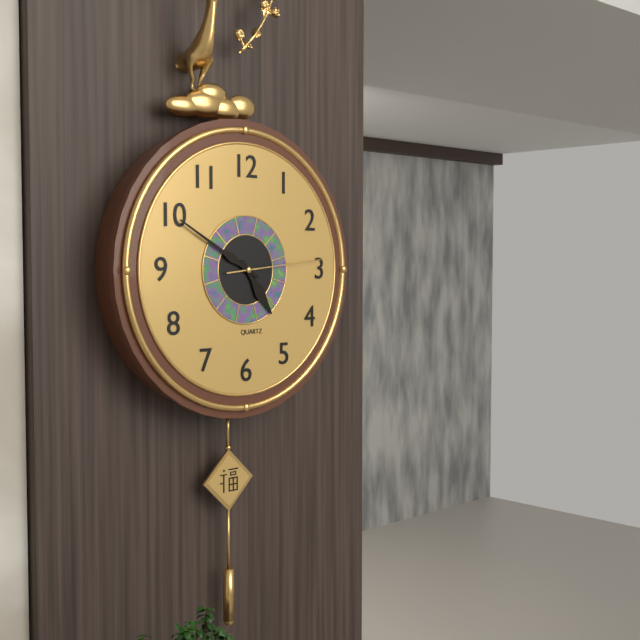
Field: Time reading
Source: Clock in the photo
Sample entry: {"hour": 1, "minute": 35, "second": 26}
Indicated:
{"hour": 4, "minute": 50, "second": 14}
